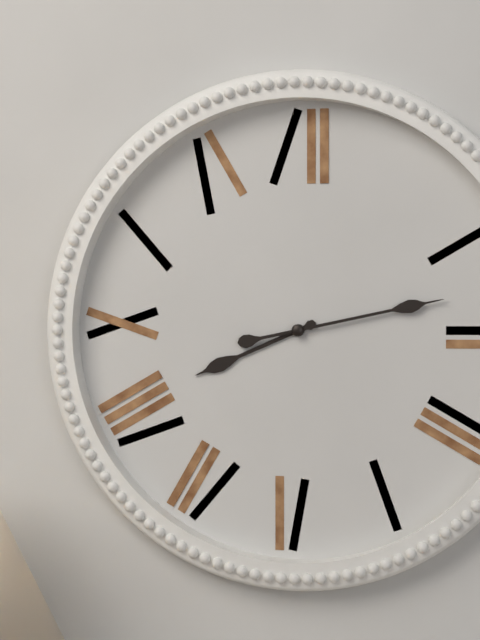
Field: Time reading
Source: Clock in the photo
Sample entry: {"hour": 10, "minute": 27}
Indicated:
{"hour": 8, "minute": 13}
